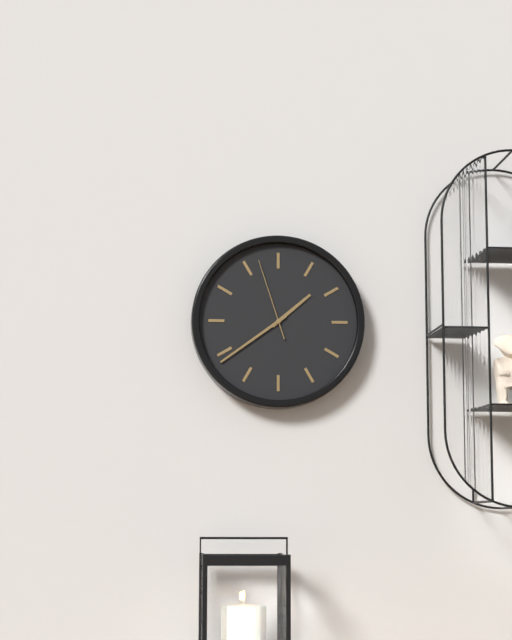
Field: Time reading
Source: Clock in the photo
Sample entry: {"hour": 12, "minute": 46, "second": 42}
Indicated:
{"hour": 1, "minute": 39, "second": 57}
